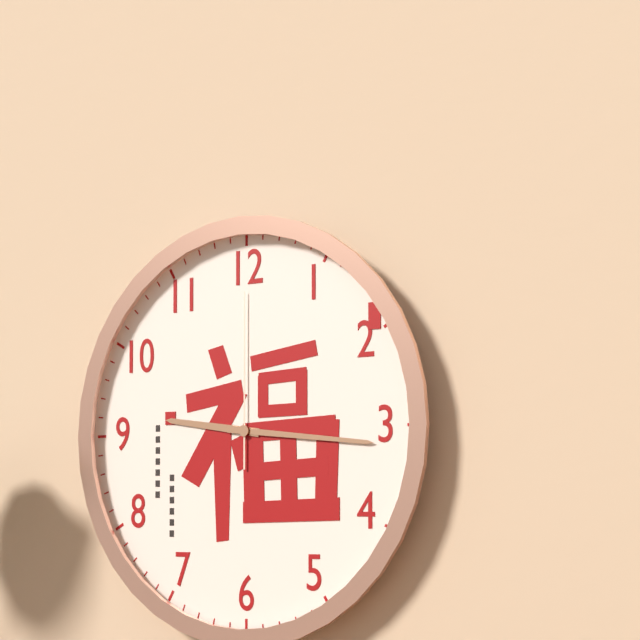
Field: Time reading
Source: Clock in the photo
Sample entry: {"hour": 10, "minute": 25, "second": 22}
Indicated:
{"hour": 9, "minute": 16, "second": 0}
